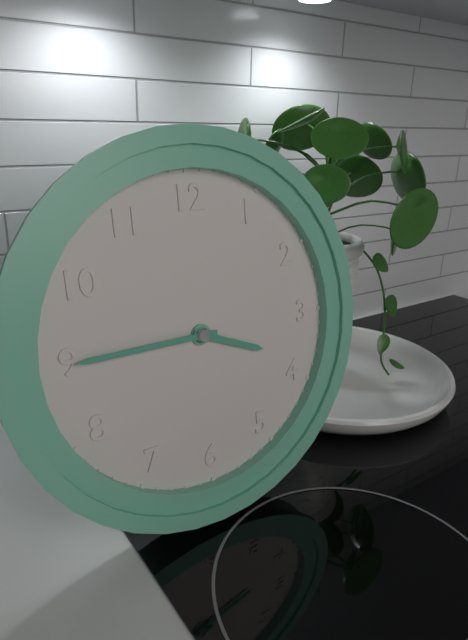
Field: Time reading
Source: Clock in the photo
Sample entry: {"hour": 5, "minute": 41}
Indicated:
{"hour": 3, "minute": 45}
